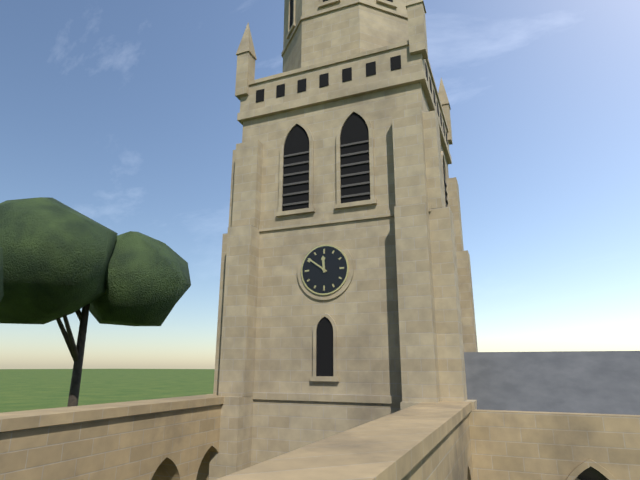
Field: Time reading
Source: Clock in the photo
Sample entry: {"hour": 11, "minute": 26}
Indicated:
{"hour": 11, "minute": 51}
